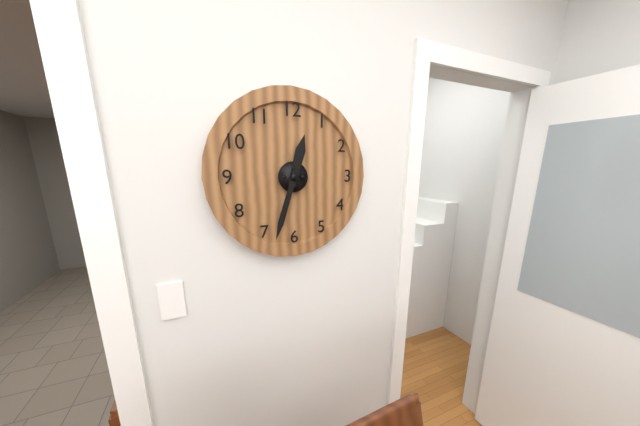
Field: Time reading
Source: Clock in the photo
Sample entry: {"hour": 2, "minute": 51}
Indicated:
{"hour": 12, "minute": 33}
